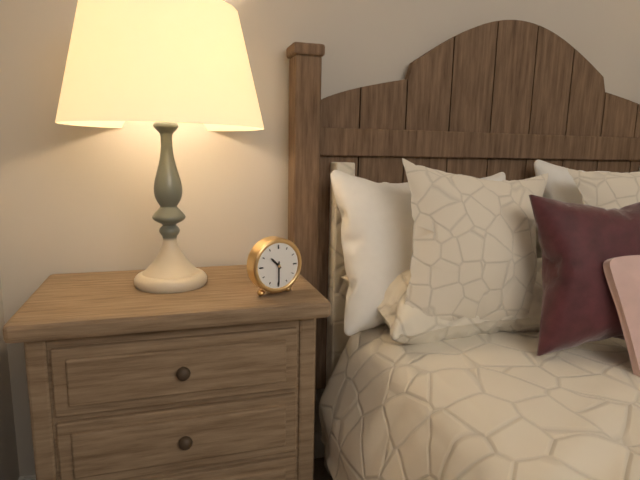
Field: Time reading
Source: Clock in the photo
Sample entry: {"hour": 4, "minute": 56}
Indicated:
{"hour": 10, "minute": 30}
